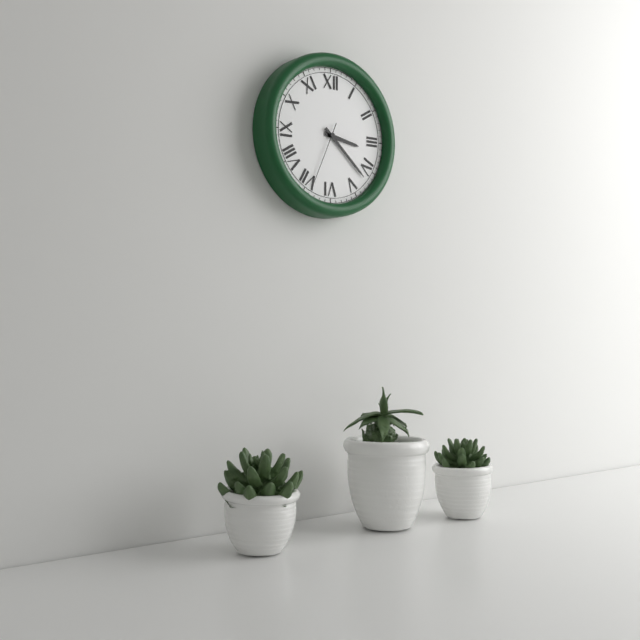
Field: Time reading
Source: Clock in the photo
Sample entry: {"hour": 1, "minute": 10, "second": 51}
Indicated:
{"hour": 3, "minute": 22, "second": 34}
